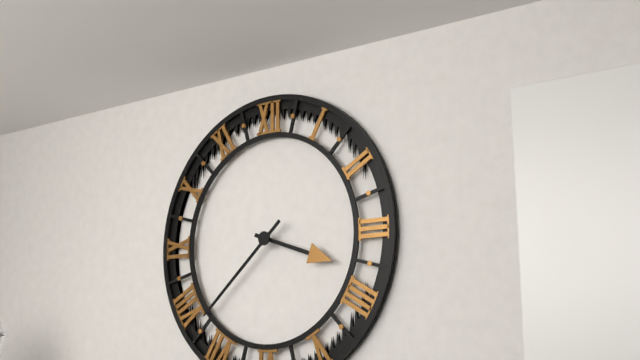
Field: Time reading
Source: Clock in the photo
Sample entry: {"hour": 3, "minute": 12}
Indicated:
{"hour": 3, "minute": 38}
